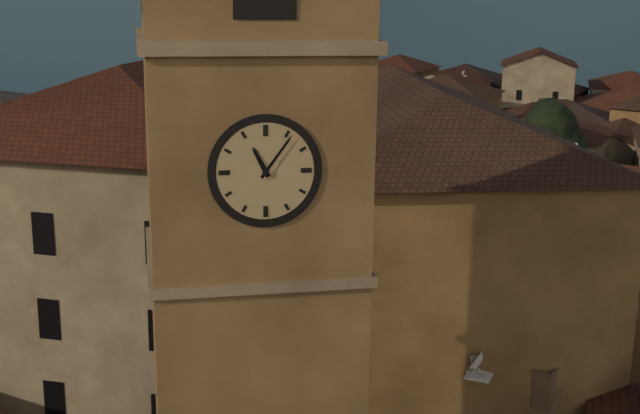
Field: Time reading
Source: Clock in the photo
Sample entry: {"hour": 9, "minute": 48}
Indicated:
{"hour": 11, "minute": 6}
